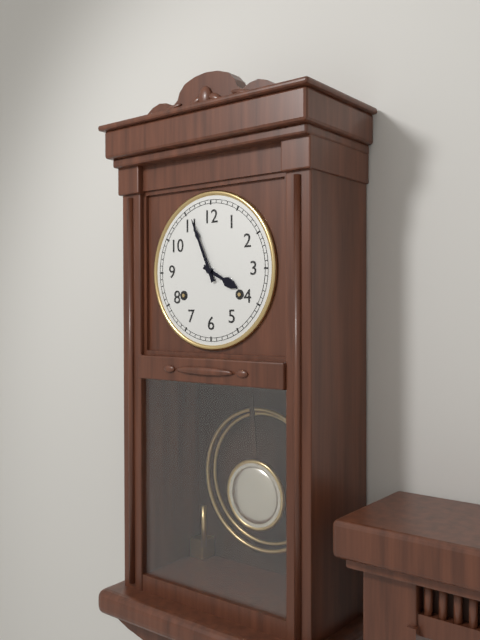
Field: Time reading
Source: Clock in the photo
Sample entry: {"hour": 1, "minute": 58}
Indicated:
{"hour": 3, "minute": 56}
